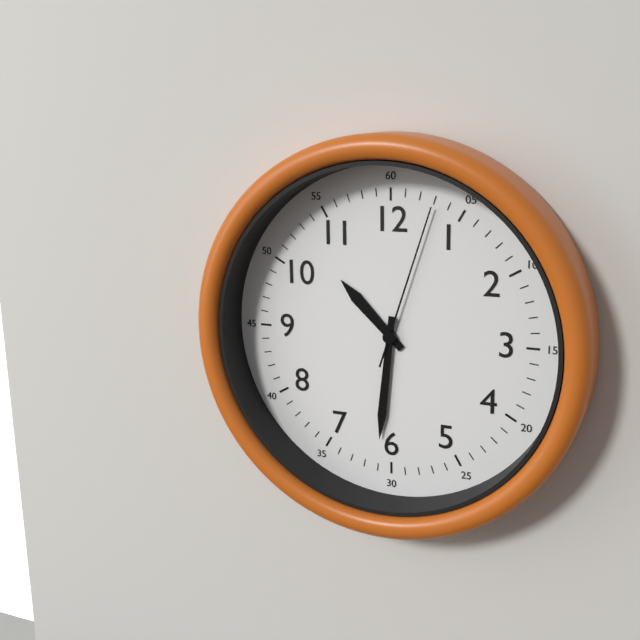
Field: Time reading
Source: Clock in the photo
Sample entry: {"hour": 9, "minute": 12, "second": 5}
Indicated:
{"hour": 10, "minute": 31, "second": 3}
